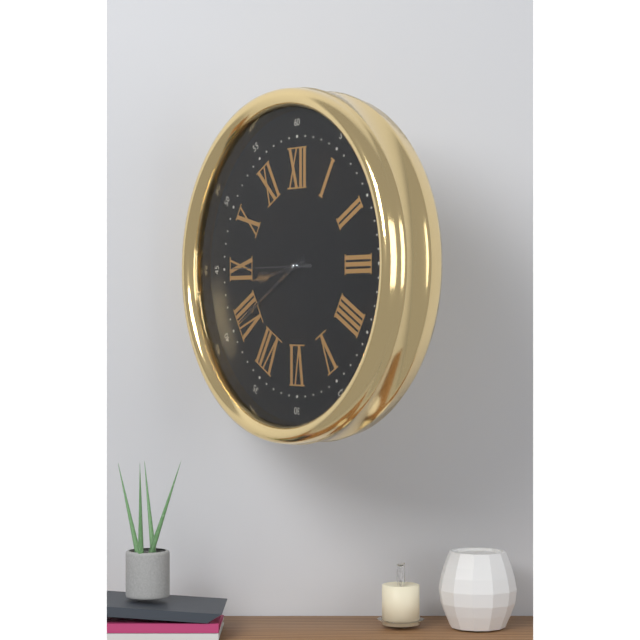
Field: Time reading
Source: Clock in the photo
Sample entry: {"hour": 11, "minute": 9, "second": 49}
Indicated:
{"hour": 8, "minute": 40, "second": 45}
